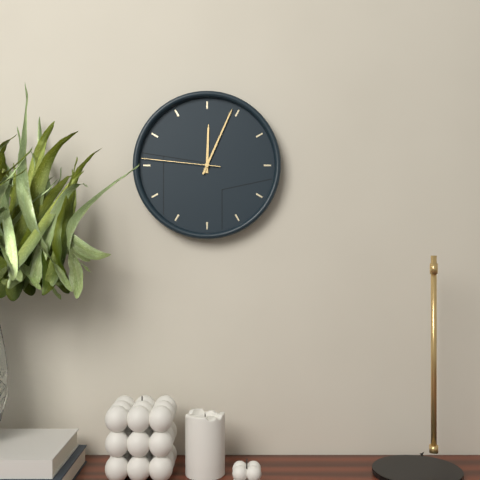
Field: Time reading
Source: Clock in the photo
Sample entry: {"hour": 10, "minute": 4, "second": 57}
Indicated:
{"hour": 12, "minute": 4, "second": 46}
